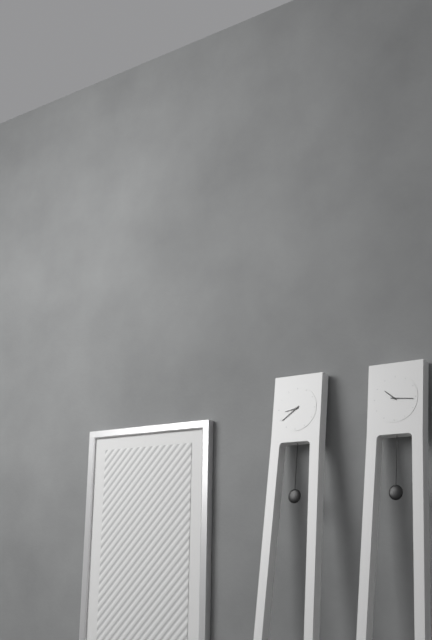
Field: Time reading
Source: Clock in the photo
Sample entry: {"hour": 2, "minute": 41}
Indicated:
{"hour": 8, "minute": 39}
